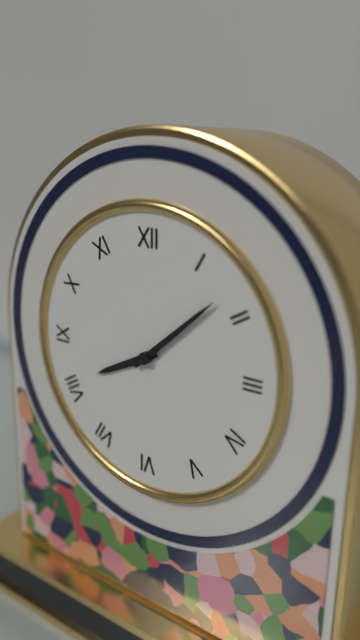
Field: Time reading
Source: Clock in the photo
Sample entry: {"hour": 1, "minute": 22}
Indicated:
{"hour": 8, "minute": 8}
